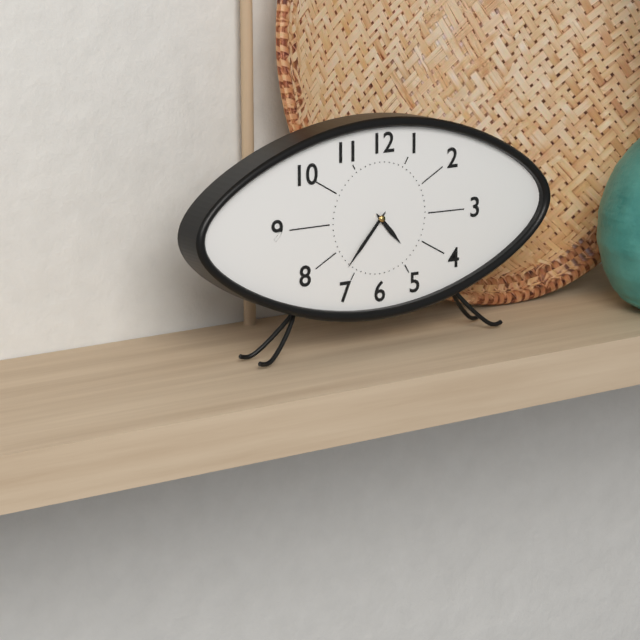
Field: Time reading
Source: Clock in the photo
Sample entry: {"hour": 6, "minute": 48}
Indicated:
{"hour": 4, "minute": 37}
